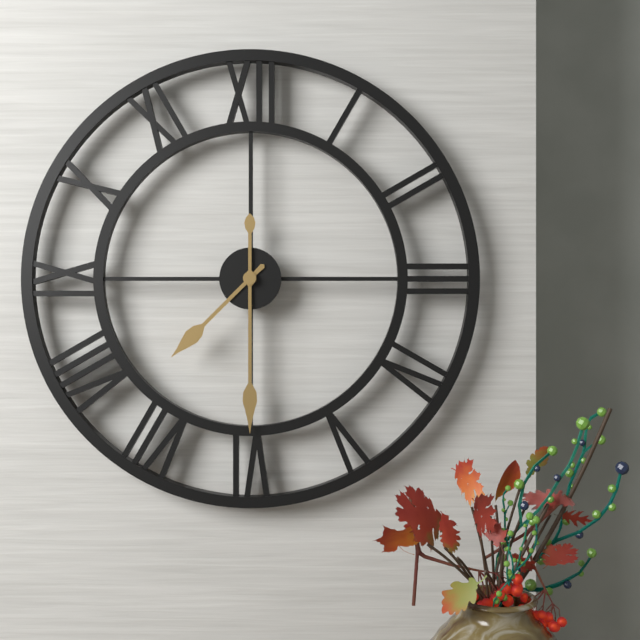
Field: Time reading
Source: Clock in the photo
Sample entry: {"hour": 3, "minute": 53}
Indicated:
{"hour": 7, "minute": 30}
